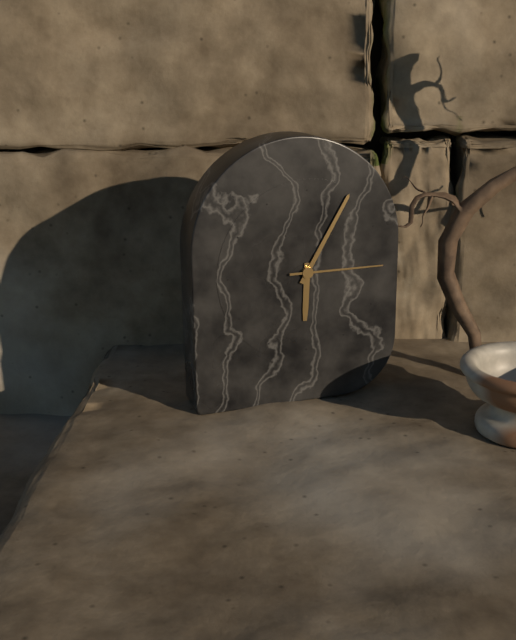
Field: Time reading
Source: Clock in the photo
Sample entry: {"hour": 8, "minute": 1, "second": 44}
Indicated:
{"hour": 6, "minute": 5, "second": 15}
